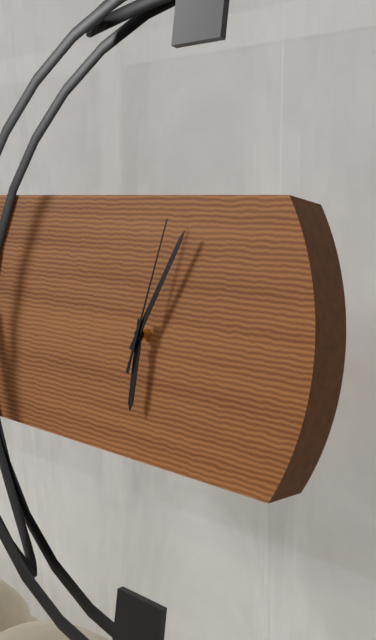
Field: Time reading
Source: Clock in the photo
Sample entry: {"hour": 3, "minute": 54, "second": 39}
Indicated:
{"hour": 6, "minute": 4, "second": 2}
